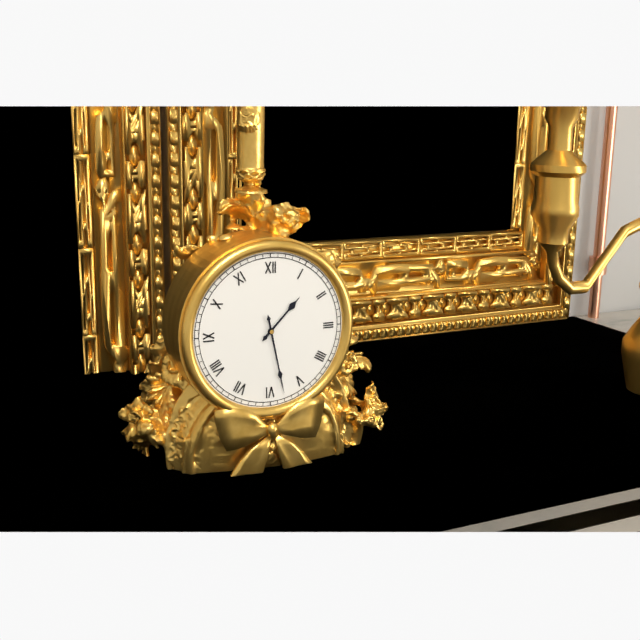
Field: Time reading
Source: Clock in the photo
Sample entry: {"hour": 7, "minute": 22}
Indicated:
{"hour": 1, "minute": 28}
